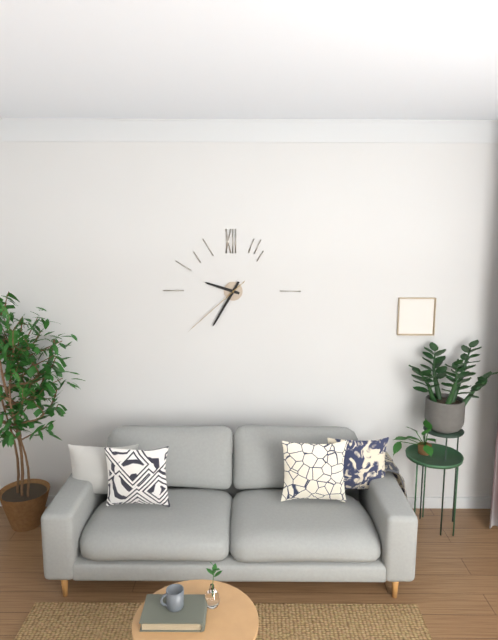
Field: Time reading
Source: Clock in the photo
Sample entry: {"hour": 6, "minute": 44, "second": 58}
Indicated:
{"hour": 9, "minute": 35, "second": 38}
